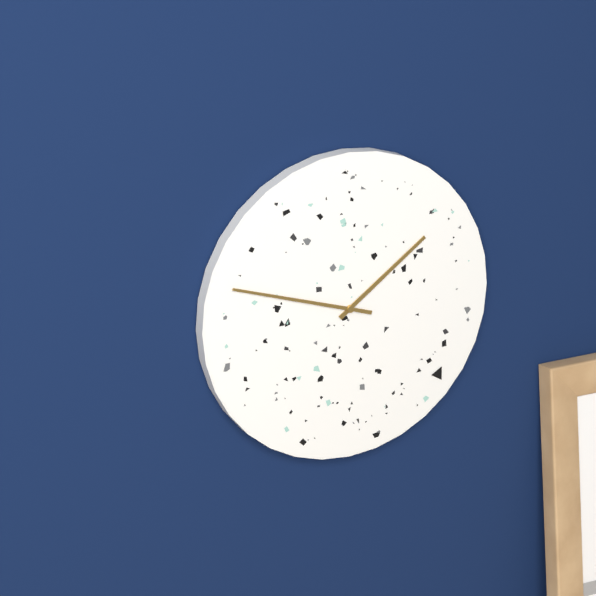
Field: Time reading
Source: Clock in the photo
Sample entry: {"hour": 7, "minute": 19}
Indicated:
{"hour": 1, "minute": 48}
